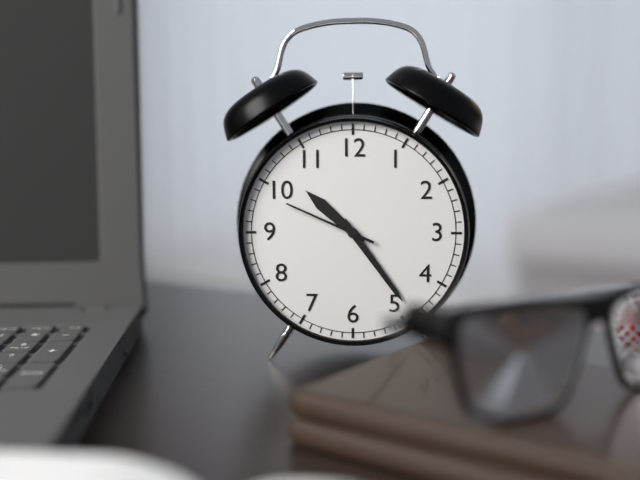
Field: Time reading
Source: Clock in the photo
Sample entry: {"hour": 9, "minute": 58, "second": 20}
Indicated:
{"hour": 10, "minute": 24, "second": 49}
